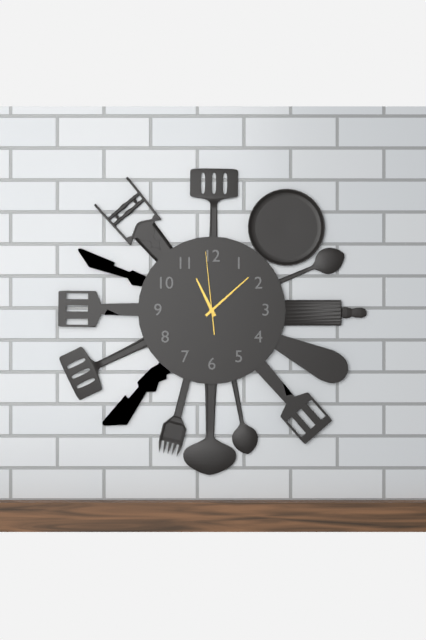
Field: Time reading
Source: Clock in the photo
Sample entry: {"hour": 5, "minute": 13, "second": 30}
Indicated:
{"hour": 11, "minute": 8, "second": 59}
